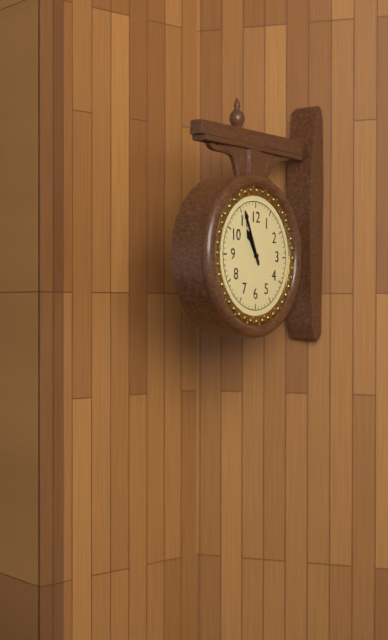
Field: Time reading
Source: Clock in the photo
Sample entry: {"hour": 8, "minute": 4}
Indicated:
{"hour": 10, "minute": 56}
